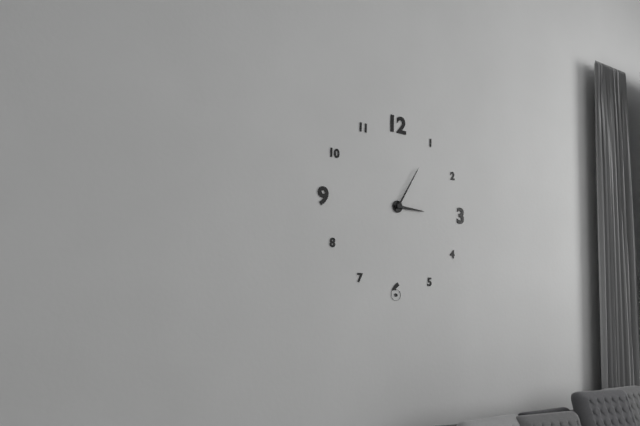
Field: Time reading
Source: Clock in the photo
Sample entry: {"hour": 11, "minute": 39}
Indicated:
{"hour": 3, "minute": 5}
